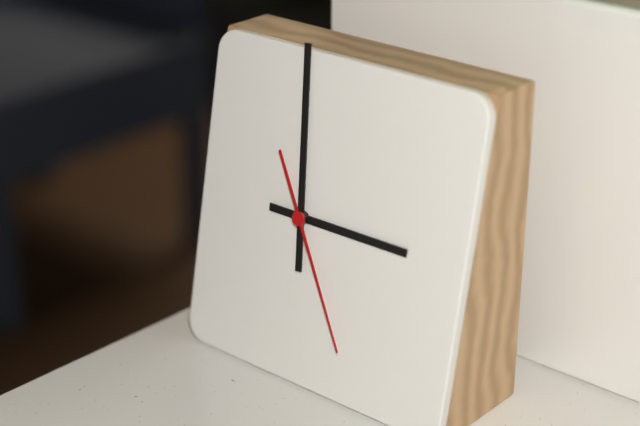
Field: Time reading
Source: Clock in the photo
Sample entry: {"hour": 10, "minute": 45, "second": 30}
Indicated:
{"hour": 2, "minute": 59, "second": 25}
